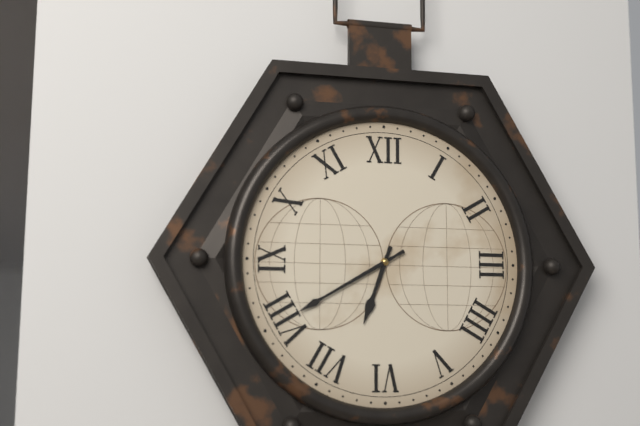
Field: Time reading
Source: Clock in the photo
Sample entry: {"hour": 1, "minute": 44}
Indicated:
{"hour": 6, "minute": 40}
